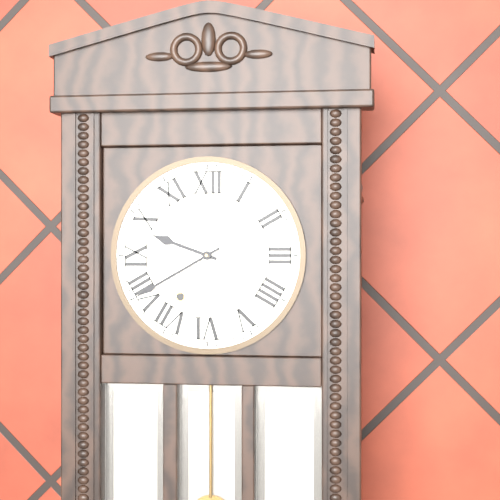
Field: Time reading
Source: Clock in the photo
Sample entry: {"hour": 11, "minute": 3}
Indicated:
{"hour": 9, "minute": 40}
